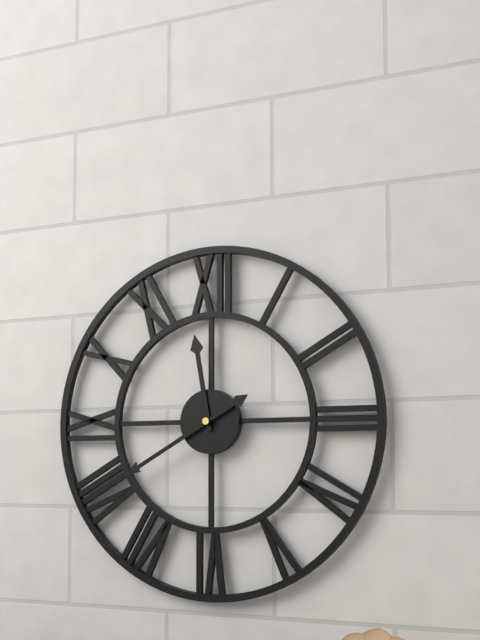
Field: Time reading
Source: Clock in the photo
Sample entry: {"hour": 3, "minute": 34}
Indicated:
{"hour": 11, "minute": 40}
